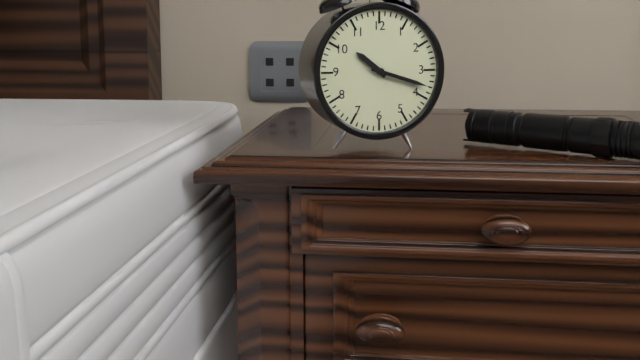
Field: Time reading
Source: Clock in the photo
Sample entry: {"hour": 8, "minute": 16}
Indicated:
{"hour": 10, "minute": 18}
